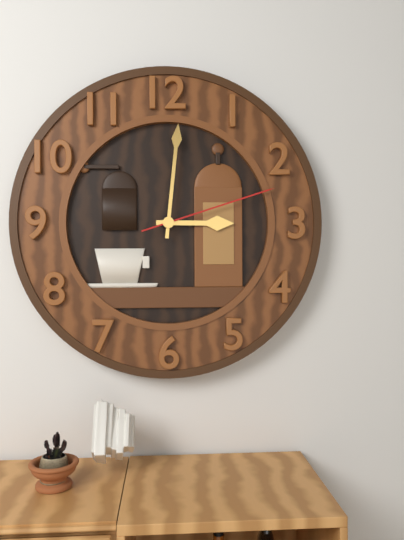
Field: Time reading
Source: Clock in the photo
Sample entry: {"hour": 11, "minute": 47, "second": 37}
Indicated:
{"hour": 3, "minute": 1, "second": 12}
